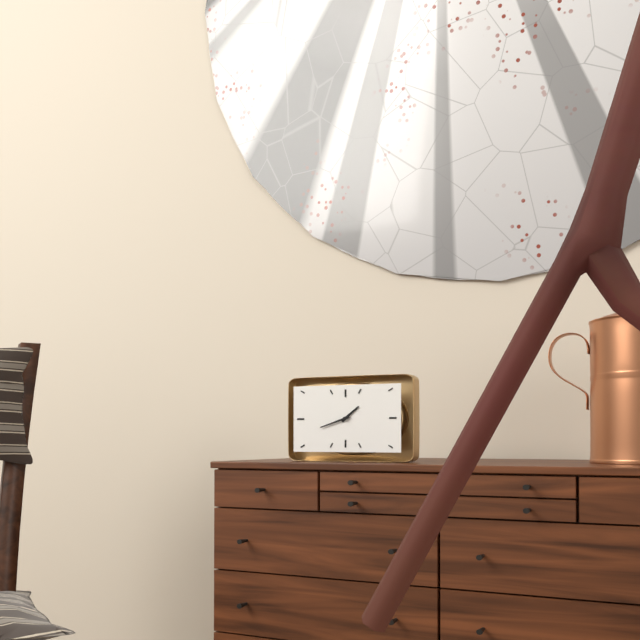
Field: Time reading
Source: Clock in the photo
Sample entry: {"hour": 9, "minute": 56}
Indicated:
{"hour": 1, "minute": 42}
